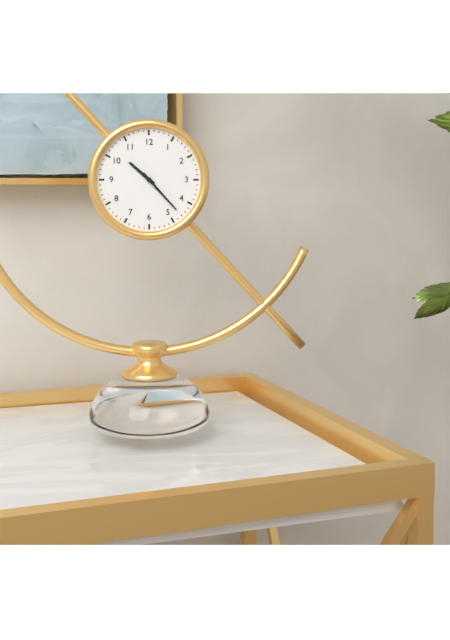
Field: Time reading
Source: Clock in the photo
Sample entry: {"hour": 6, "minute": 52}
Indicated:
{"hour": 10, "minute": 23}
